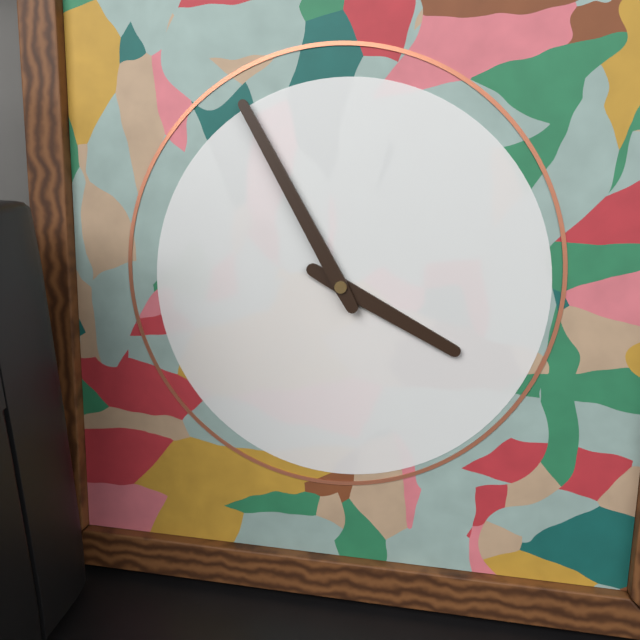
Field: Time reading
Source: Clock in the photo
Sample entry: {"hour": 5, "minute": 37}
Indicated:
{"hour": 3, "minute": 55}
